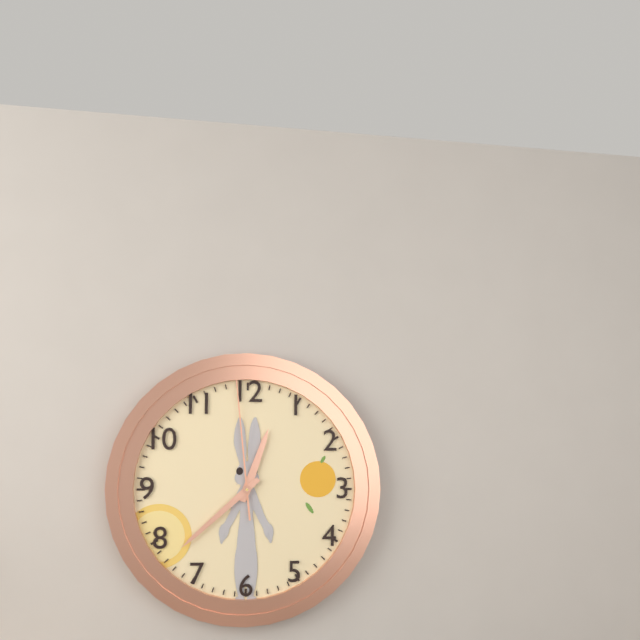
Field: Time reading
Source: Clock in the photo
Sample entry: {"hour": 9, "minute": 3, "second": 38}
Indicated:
{"hour": 12, "minute": 38, "second": 59}
